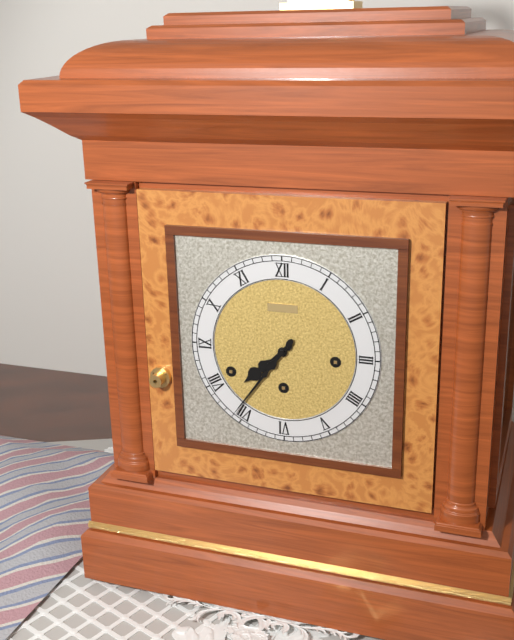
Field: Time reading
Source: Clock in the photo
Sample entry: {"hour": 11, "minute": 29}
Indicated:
{"hour": 7, "minute": 36}
